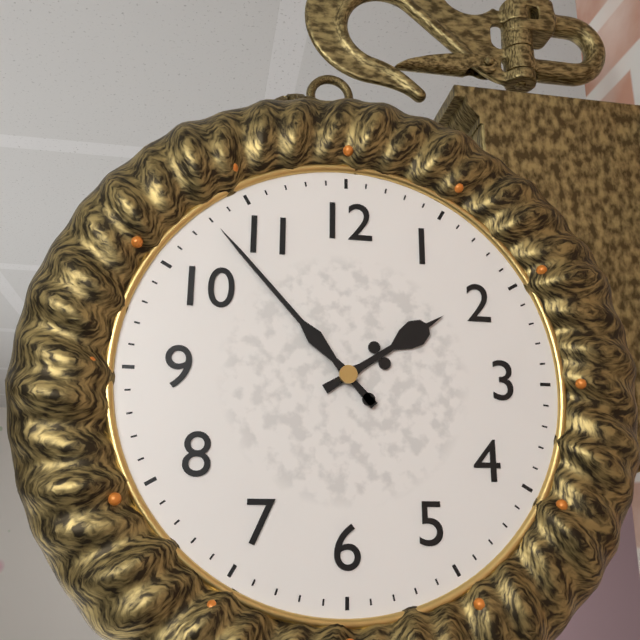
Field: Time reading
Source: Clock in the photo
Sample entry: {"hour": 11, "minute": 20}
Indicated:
{"hour": 1, "minute": 53}
